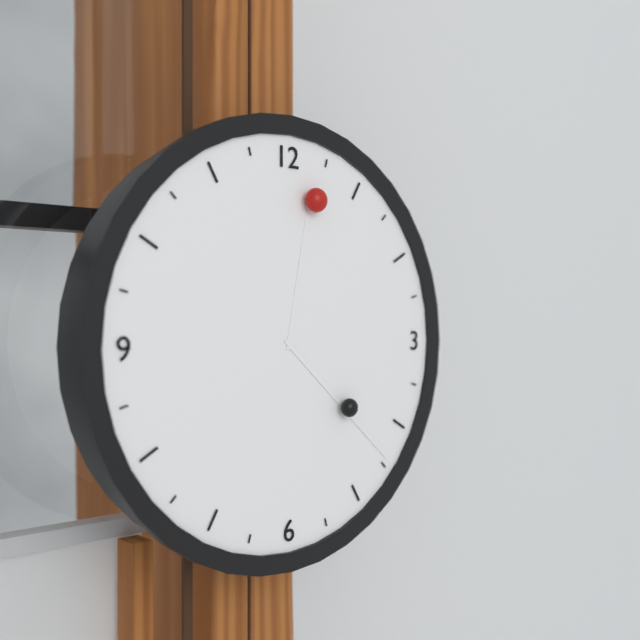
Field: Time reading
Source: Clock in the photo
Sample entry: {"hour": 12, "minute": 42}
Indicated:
{"hour": 12, "minute": 22}
